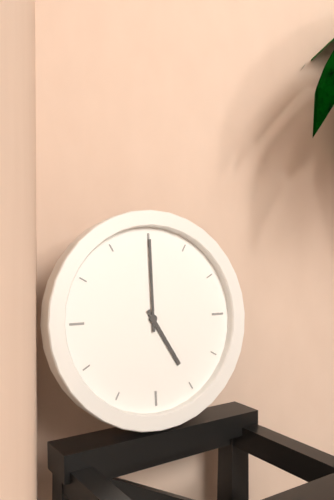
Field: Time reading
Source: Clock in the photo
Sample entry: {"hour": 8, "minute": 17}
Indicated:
{"hour": 5, "minute": 0}
